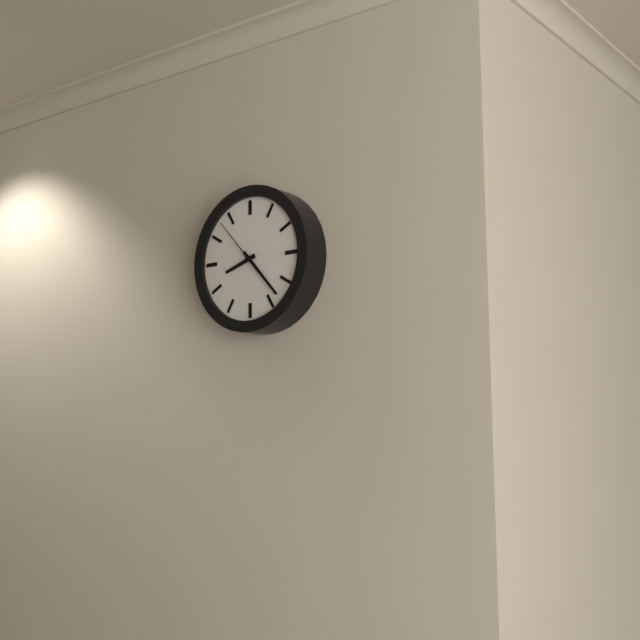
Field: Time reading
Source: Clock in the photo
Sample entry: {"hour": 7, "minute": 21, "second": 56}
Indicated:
{"hour": 8, "minute": 23, "second": 53}
